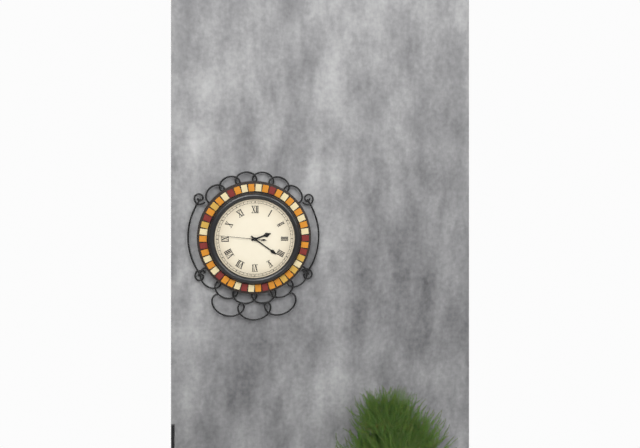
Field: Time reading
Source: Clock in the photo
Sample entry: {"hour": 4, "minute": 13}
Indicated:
{"hour": 2, "minute": 21}
